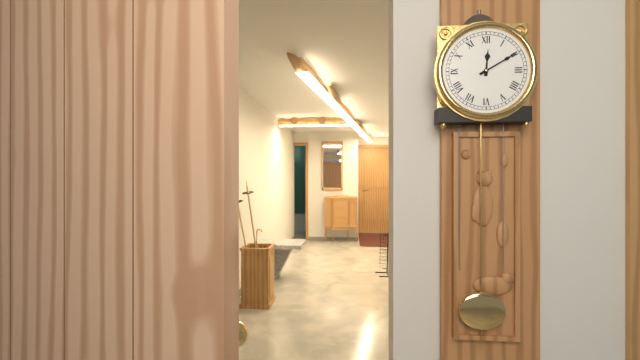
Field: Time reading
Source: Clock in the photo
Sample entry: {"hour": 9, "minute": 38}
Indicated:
{"hour": 12, "minute": 10}
